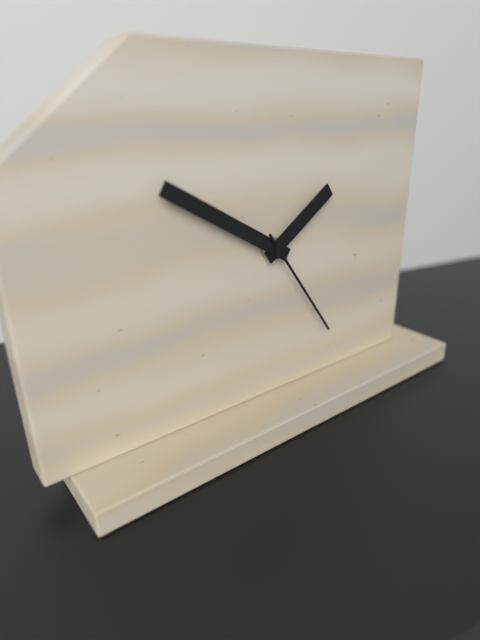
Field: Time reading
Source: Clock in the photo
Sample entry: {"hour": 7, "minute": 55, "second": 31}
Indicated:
{"hour": 1, "minute": 50, "second": 24}
